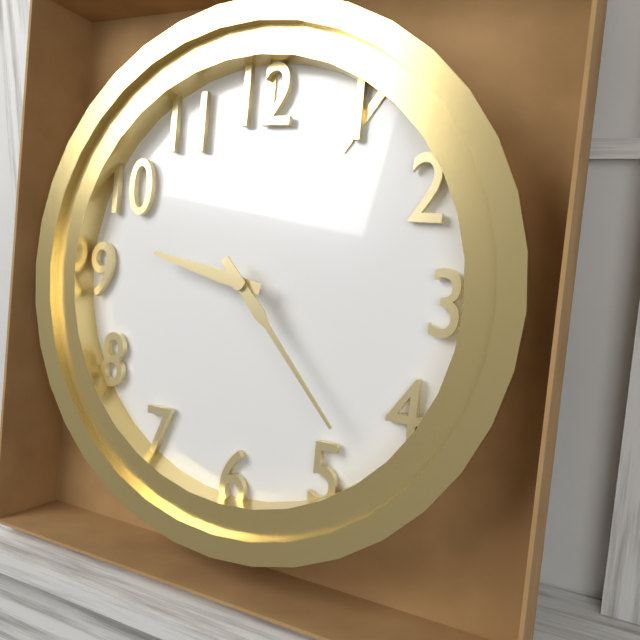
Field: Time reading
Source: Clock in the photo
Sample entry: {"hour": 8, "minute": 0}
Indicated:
{"hour": 9, "minute": 23}
